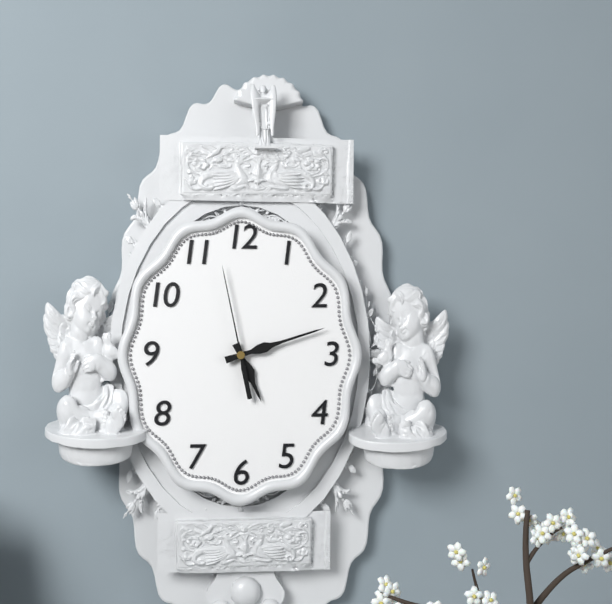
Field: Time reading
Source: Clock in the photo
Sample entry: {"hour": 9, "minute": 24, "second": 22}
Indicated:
{"hour": 5, "minute": 12, "second": 58}
